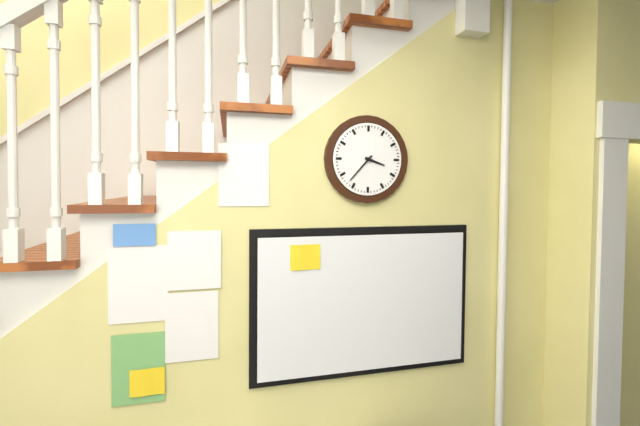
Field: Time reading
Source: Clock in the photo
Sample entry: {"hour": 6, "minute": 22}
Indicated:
{"hour": 3, "minute": 37}
